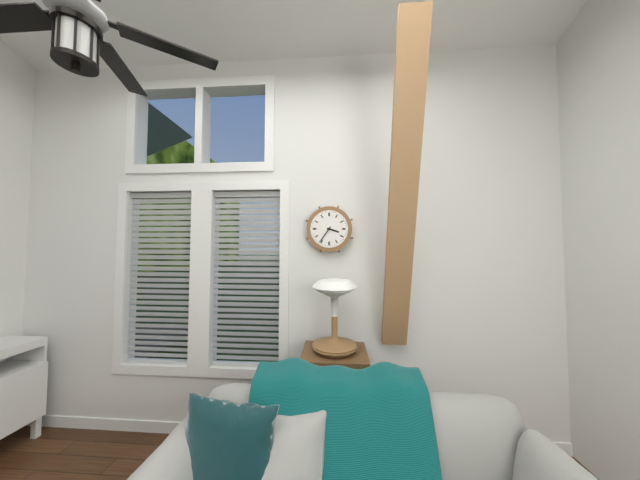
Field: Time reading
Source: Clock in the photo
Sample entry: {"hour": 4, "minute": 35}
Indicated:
{"hour": 3, "minute": 36}
